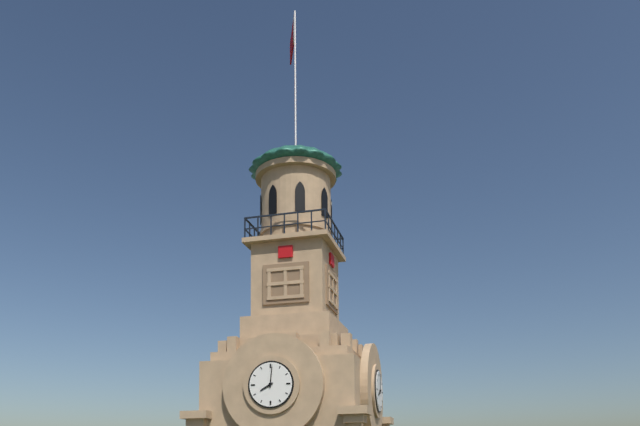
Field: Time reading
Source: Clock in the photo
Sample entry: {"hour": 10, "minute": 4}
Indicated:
{"hour": 8, "minute": 1}
